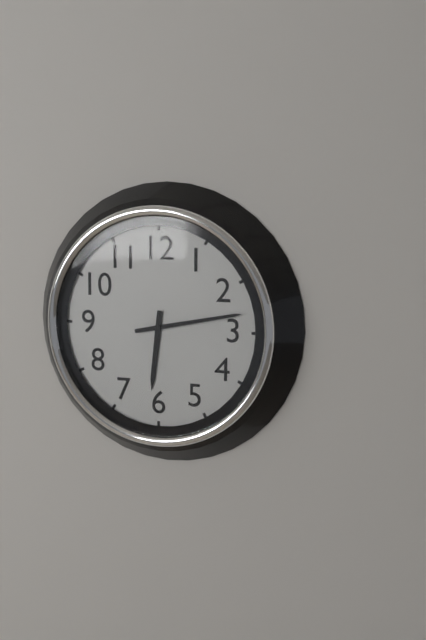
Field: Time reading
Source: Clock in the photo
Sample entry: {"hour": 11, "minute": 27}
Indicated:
{"hour": 6, "minute": 13}
